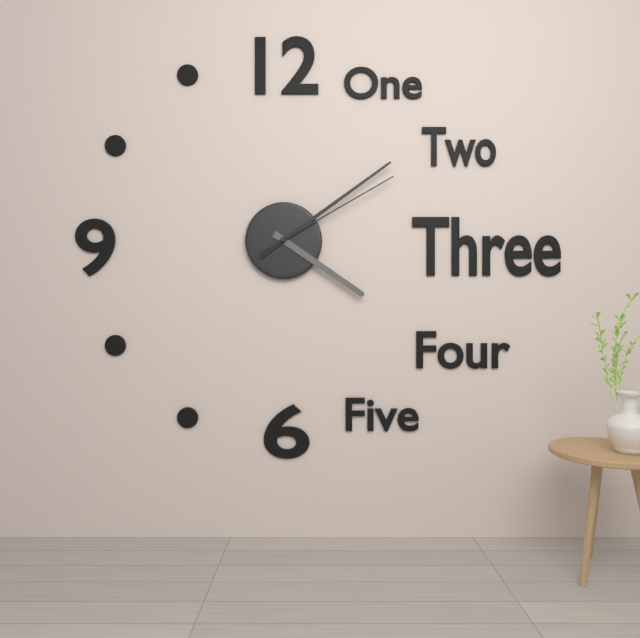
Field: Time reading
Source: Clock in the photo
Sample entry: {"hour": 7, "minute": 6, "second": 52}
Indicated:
{"hour": 4, "minute": 9, "second": 10}
